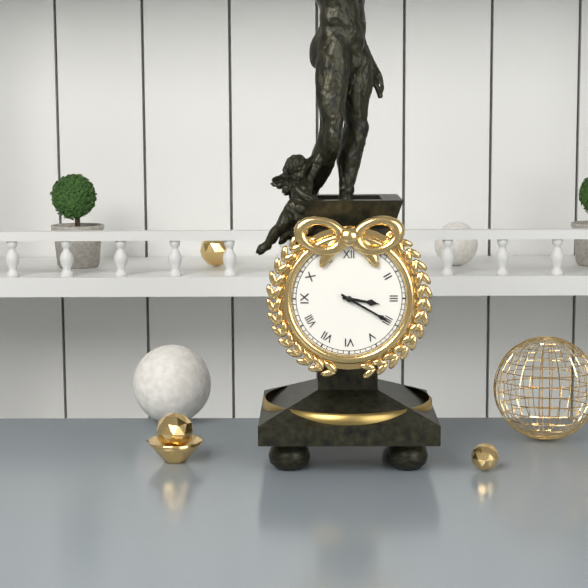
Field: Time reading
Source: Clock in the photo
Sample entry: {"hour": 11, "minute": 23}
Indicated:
{"hour": 3, "minute": 20}
